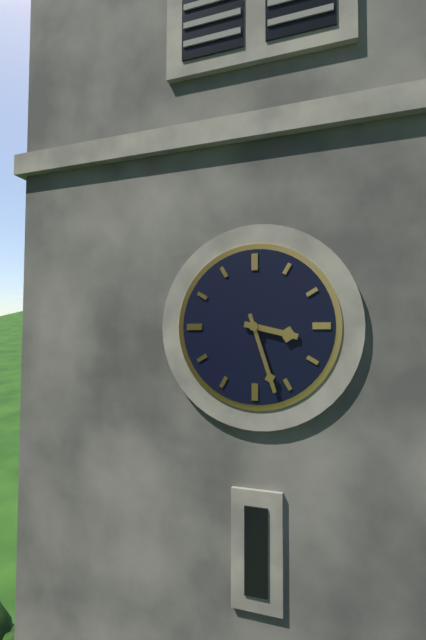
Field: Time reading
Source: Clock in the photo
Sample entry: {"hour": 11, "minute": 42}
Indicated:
{"hour": 3, "minute": 27}
